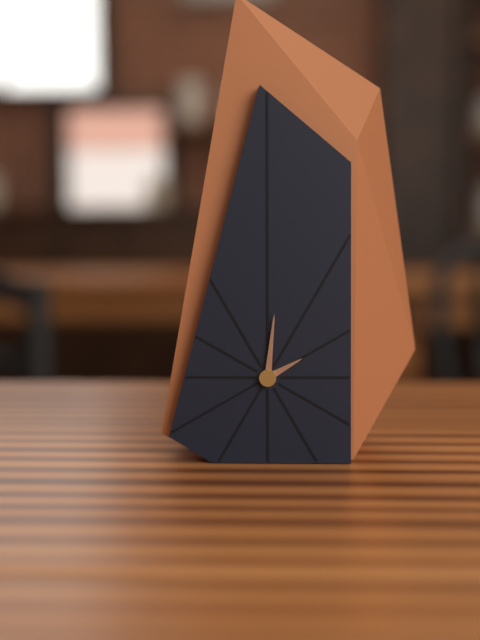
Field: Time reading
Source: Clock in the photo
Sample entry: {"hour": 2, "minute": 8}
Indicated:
{"hour": 2, "minute": 1}
